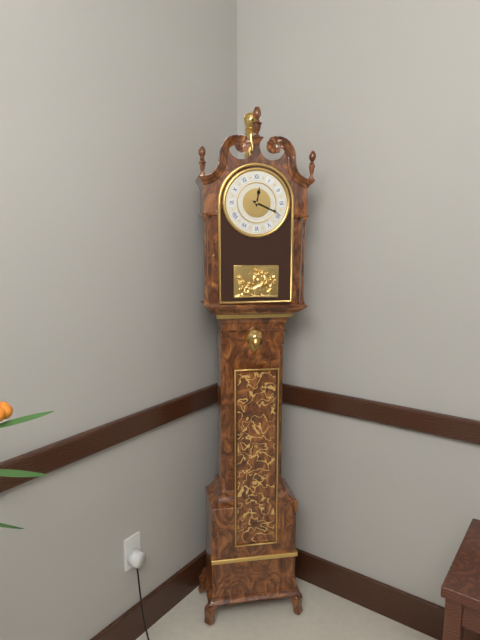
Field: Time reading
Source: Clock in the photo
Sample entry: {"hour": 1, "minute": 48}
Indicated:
{"hour": 12, "minute": 19}
